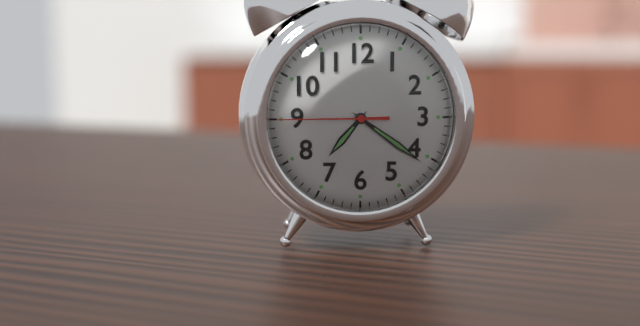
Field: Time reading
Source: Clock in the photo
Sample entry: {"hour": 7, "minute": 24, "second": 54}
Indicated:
{"hour": 7, "minute": 21, "second": 45}
